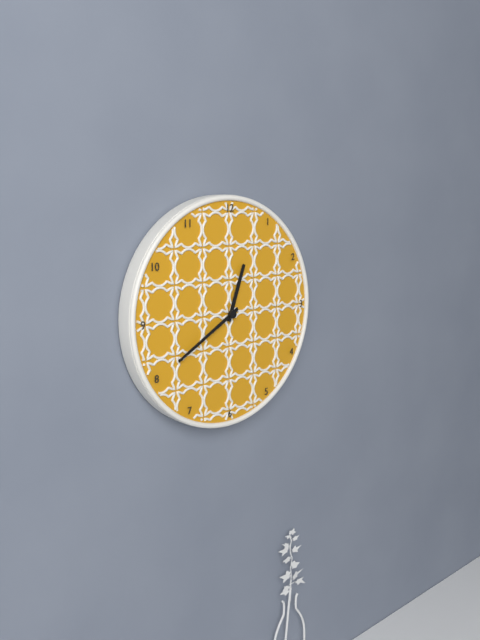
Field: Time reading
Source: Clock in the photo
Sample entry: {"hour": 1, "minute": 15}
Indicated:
{"hour": 12, "minute": 40}
